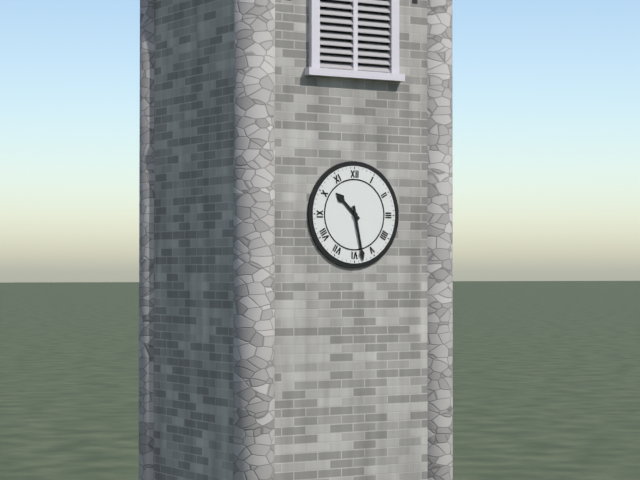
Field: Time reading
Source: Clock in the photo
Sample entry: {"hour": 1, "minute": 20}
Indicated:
{"hour": 10, "minute": 28}
